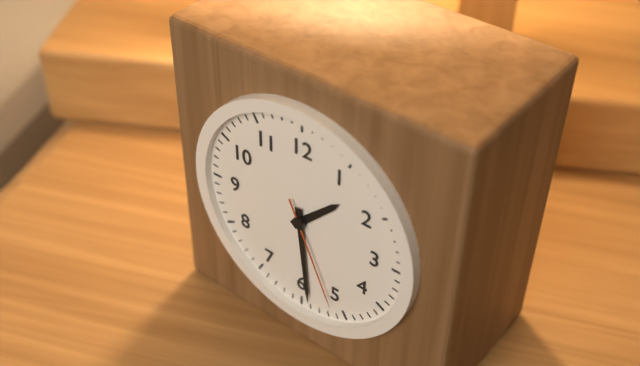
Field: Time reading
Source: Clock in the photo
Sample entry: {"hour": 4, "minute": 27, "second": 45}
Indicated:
{"hour": 1, "minute": 29, "second": 26}
